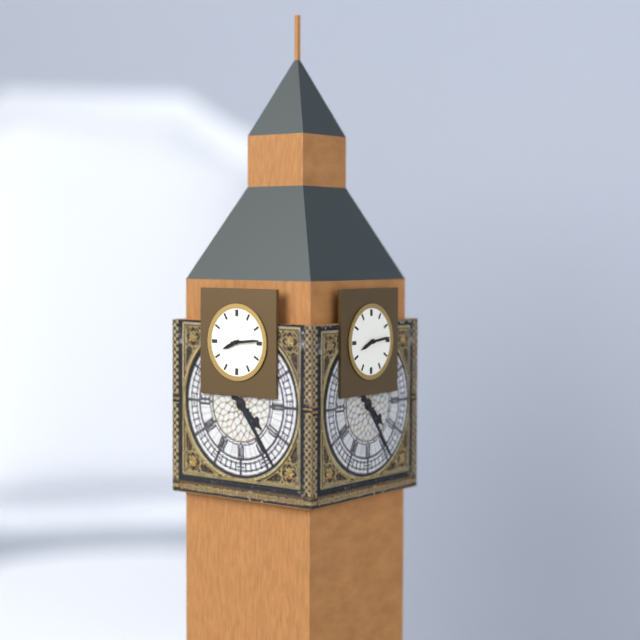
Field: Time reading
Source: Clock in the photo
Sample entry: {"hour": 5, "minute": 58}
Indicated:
{"hour": 8, "minute": 14}
